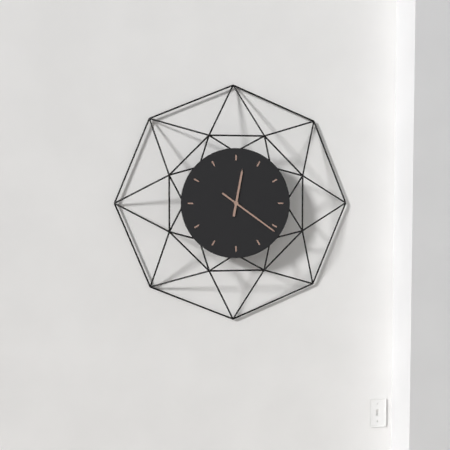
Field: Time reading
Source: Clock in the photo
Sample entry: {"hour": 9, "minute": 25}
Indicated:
{"hour": 12, "minute": 21}
